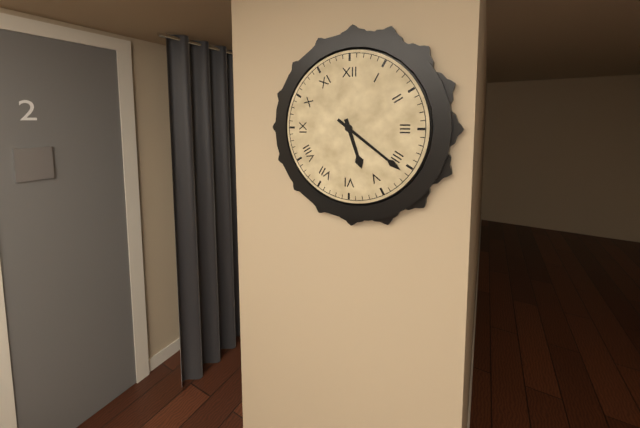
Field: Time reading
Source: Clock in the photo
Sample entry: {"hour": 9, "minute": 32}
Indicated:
{"hour": 5, "minute": 21}
